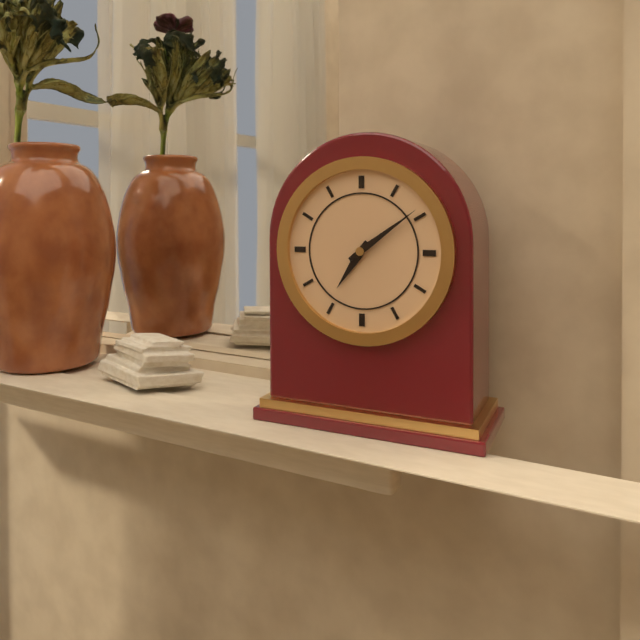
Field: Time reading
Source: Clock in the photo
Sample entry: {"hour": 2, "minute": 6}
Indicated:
{"hour": 7, "minute": 9}
